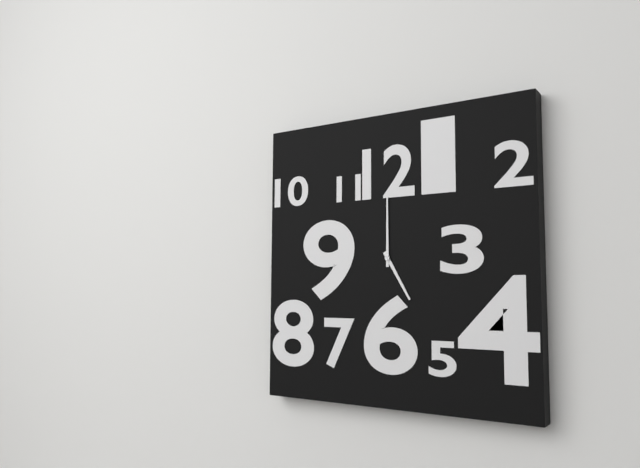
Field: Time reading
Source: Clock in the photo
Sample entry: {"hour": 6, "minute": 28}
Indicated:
{"hour": 5, "minute": 0}
